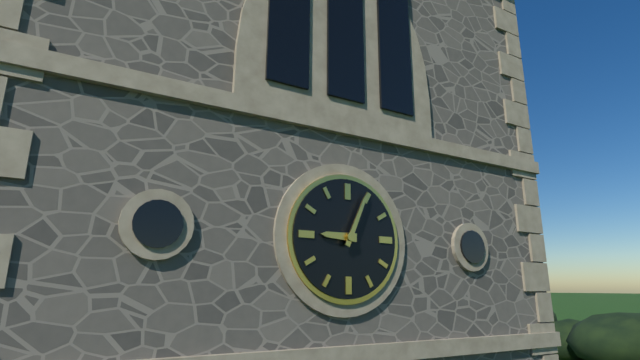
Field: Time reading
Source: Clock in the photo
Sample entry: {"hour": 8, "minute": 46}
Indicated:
{"hour": 9, "minute": 4}
